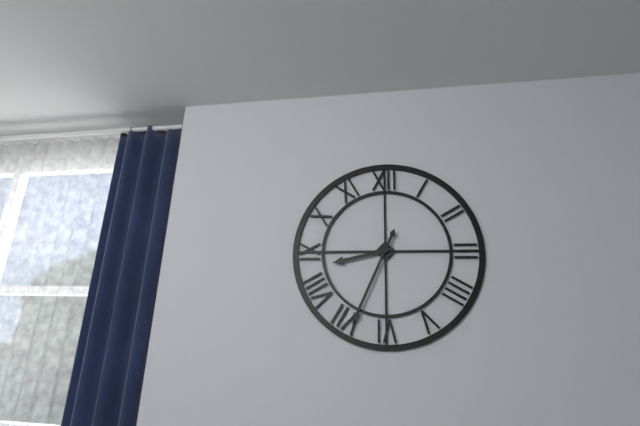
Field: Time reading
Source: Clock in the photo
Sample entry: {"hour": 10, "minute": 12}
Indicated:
{"hour": 8, "minute": 34}
